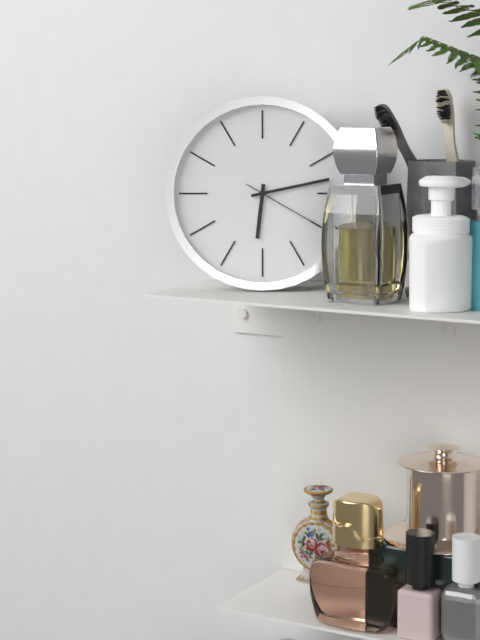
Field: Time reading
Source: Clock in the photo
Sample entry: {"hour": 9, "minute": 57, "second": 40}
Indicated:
{"hour": 6, "minute": 13, "second": 20}
